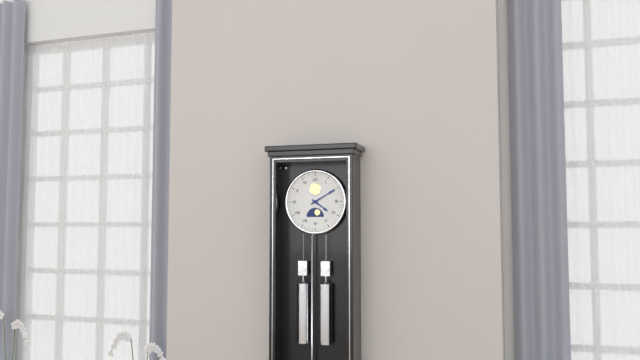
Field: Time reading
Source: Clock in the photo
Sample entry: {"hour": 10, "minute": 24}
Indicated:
{"hour": 4, "minute": 10}
